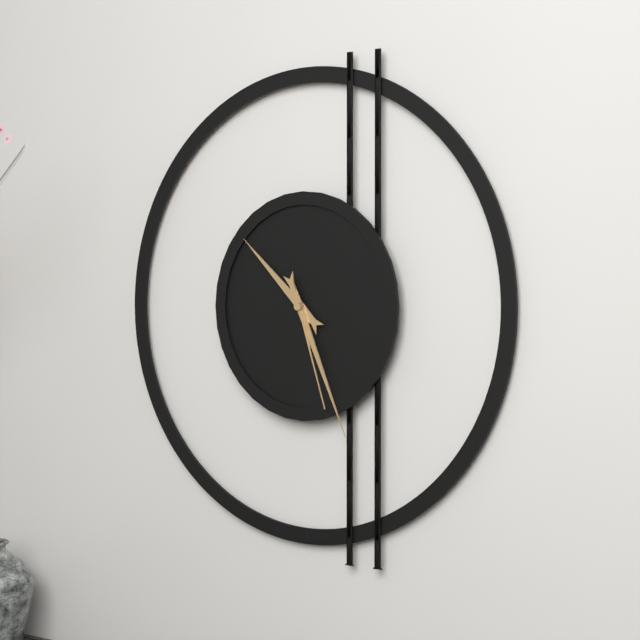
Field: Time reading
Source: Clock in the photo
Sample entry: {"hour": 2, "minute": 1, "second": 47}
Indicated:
{"hour": 10, "minute": 26, "second": 27}
